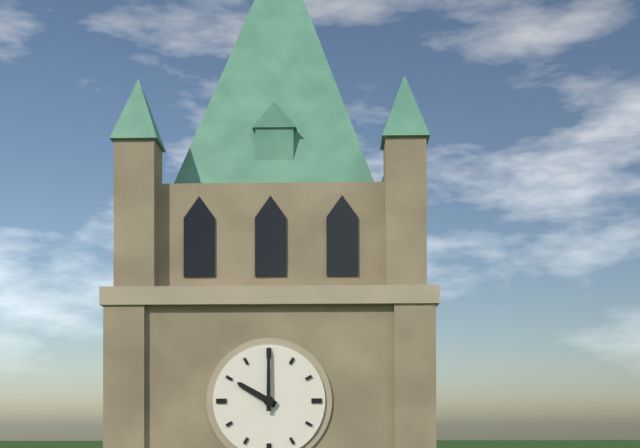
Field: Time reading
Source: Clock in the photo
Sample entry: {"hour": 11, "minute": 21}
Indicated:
{"hour": 10, "minute": 0}
